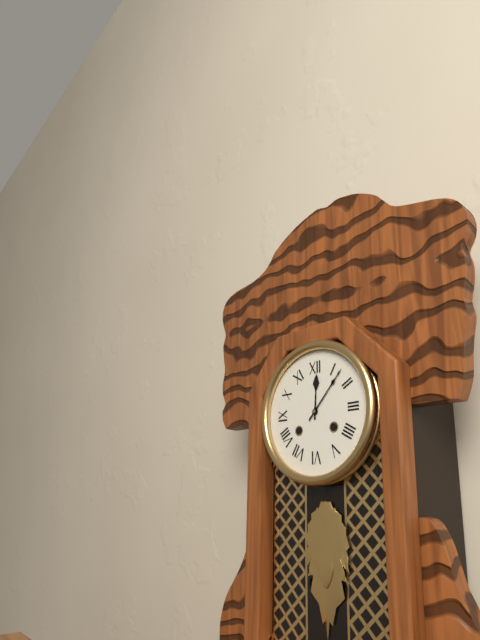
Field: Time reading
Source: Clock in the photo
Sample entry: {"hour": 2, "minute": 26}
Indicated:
{"hour": 12, "minute": 7}
